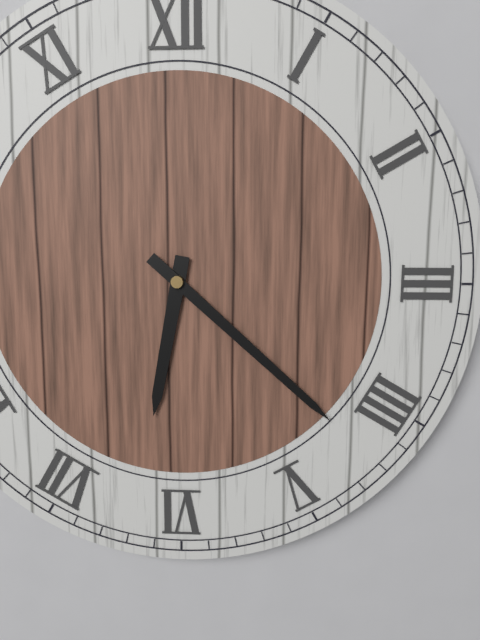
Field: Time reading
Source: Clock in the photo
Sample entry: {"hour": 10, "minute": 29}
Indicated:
{"hour": 6, "minute": 22}
